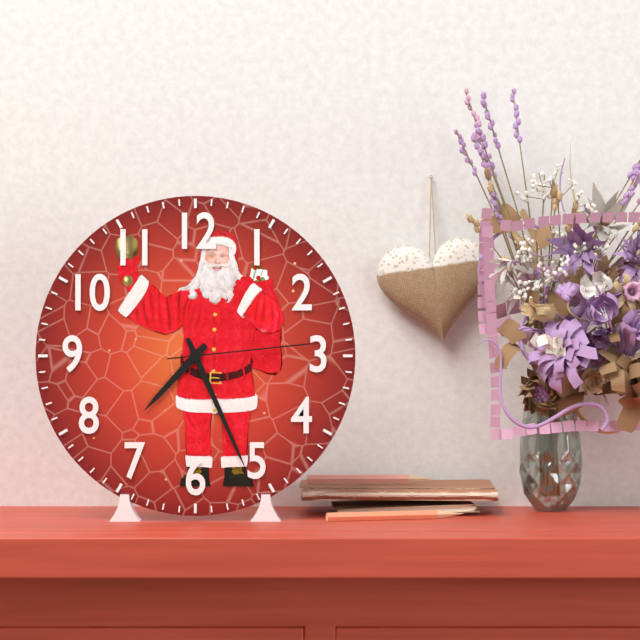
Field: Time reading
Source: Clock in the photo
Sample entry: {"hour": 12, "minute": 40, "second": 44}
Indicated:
{"hour": 7, "minute": 26, "second": 14}
